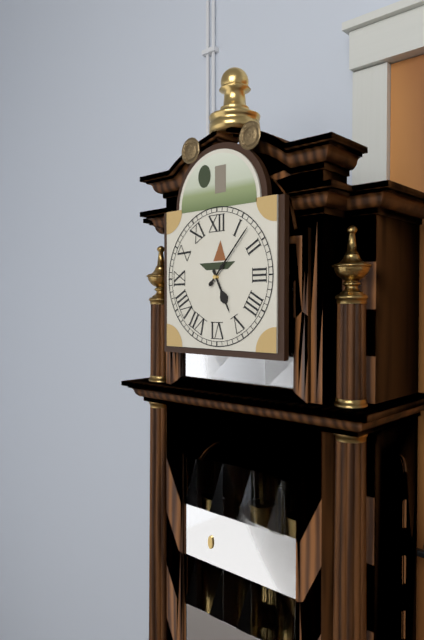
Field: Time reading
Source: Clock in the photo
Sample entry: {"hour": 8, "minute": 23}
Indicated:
{"hour": 5, "minute": 7}
